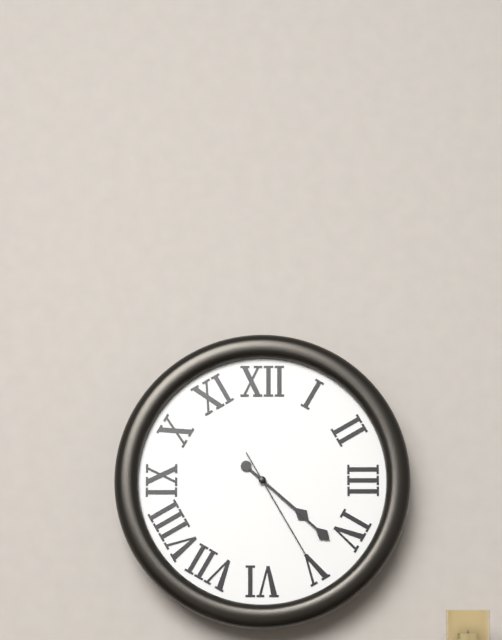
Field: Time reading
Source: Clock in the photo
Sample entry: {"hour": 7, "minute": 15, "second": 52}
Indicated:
{"hour": 4, "minute": 22, "second": 25}
